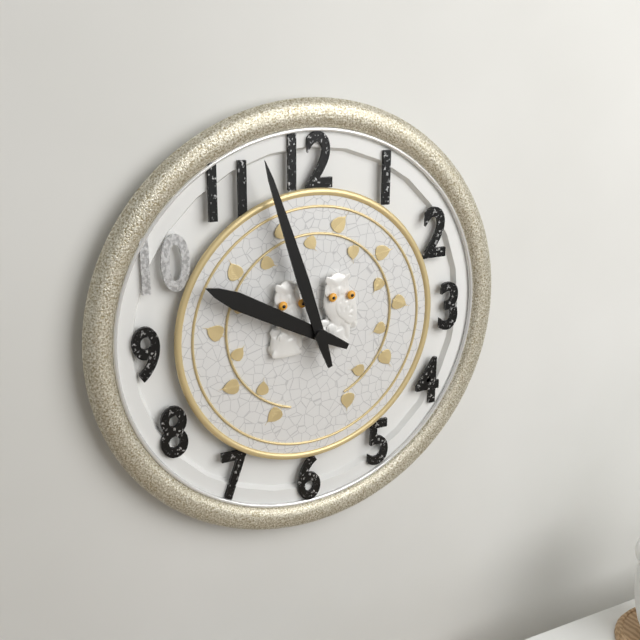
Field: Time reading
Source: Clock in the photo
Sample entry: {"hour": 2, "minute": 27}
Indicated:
{"hour": 9, "minute": 57}
